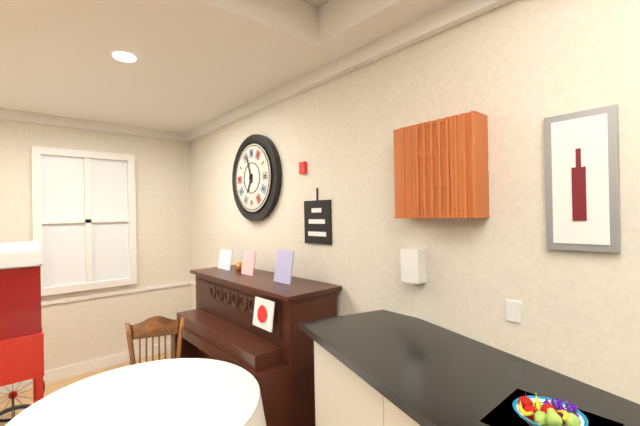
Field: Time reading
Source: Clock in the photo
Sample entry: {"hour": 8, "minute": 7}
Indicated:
{"hour": 6, "minute": 57}
